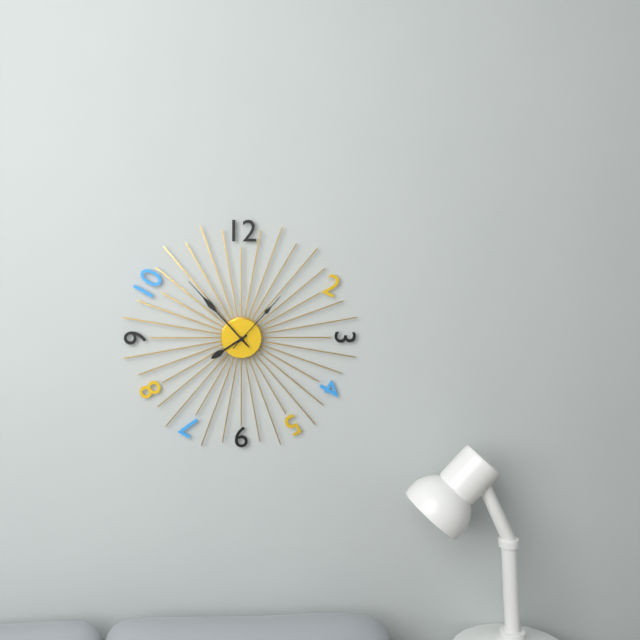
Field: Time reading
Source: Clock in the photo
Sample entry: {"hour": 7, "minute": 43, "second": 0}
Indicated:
{"hour": 7, "minute": 53, "second": 7}
